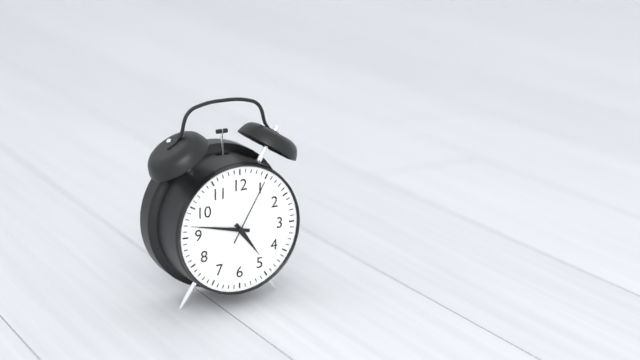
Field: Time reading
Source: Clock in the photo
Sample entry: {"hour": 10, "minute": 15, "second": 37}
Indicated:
{"hour": 4, "minute": 47, "second": 5}
